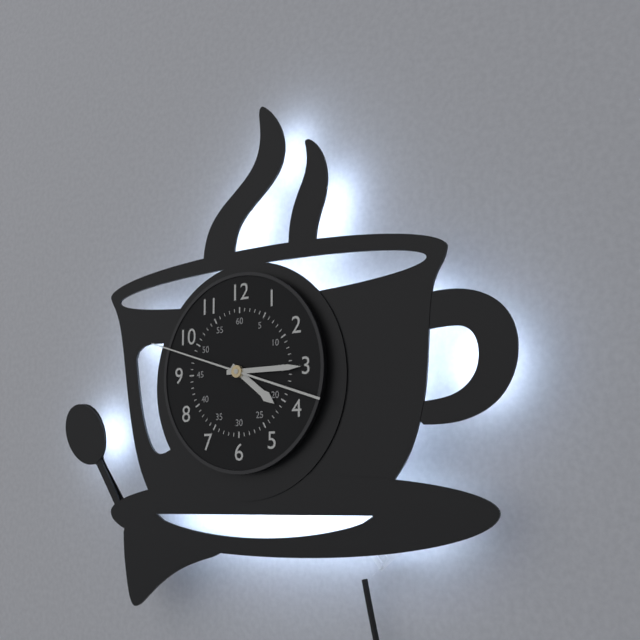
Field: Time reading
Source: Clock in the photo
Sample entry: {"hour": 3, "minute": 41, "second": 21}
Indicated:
{"hour": 4, "minute": 15, "second": 48}
